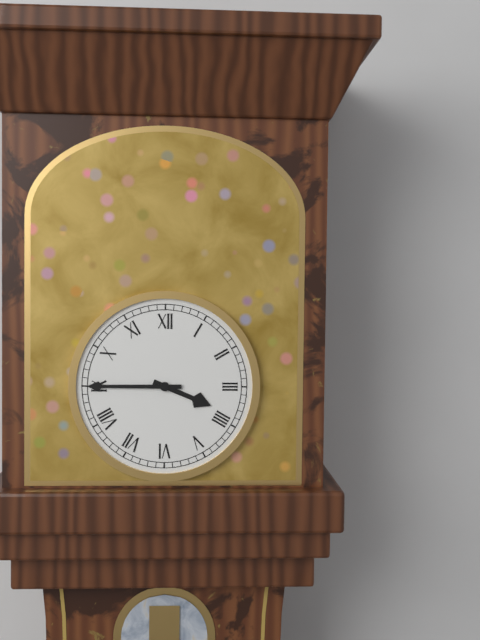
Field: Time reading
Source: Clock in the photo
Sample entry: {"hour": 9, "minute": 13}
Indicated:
{"hour": 3, "minute": 45}
